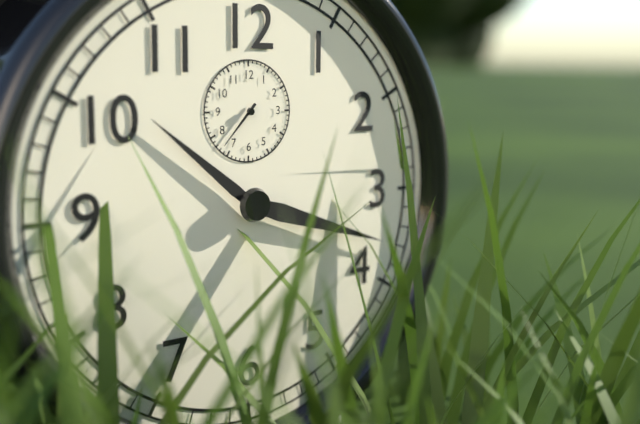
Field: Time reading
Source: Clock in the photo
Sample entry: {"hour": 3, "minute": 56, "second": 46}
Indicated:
{"hour": 10, "minute": 18, "second": 37}
